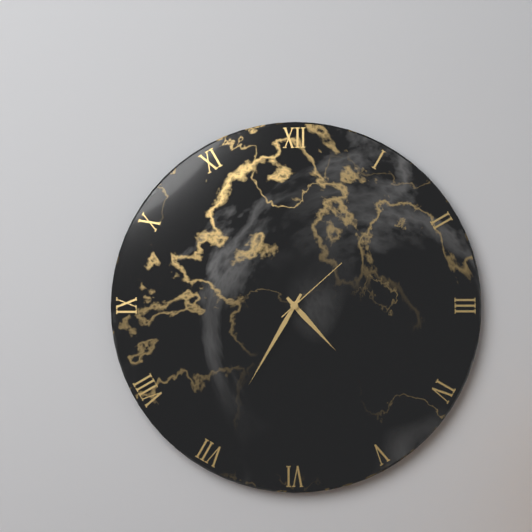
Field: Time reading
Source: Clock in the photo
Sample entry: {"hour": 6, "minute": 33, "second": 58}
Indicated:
{"hour": 4, "minute": 35, "second": 8}
